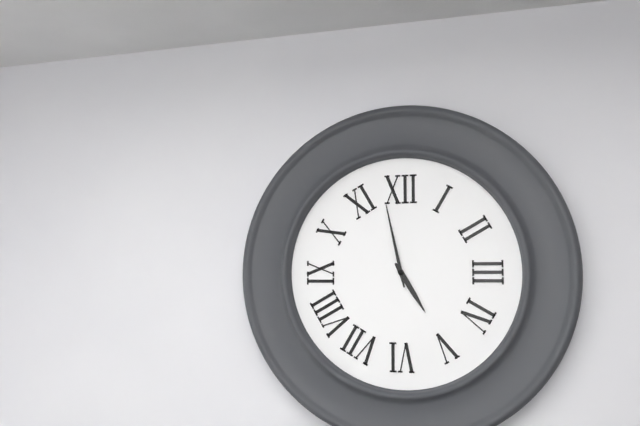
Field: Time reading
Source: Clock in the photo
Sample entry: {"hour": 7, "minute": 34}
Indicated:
{"hour": 4, "minute": 58}
